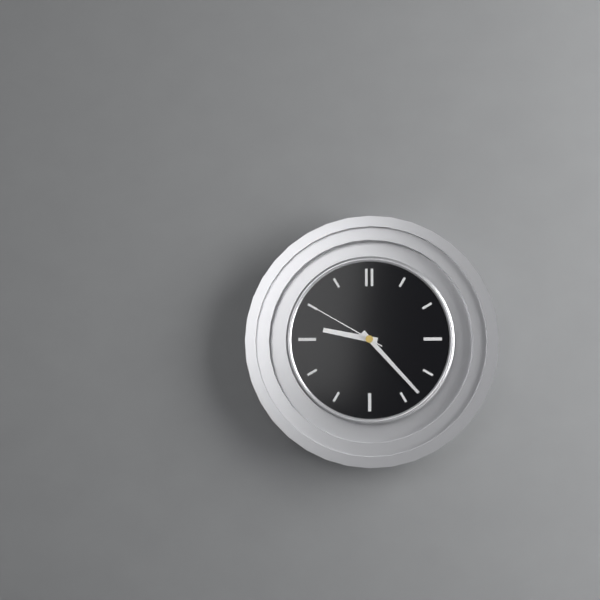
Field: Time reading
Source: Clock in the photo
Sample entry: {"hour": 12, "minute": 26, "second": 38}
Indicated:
{"hour": 9, "minute": 23, "second": 50}
